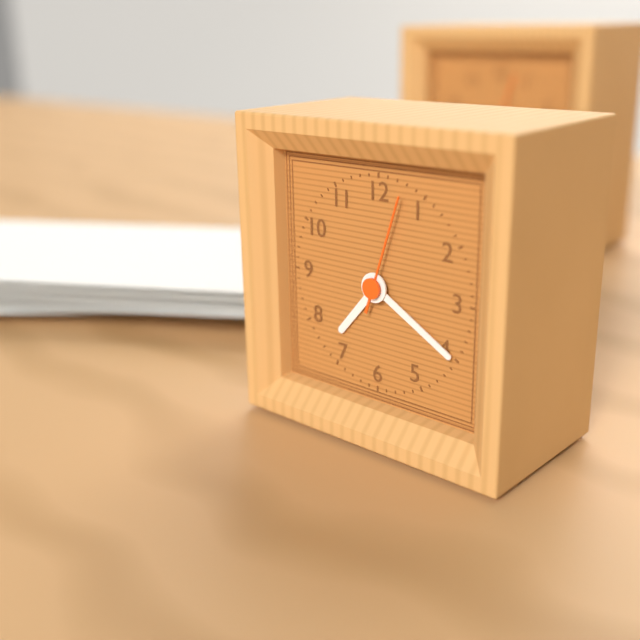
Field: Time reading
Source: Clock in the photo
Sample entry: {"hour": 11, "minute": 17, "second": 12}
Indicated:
{"hour": 7, "minute": 20, "second": 3}
